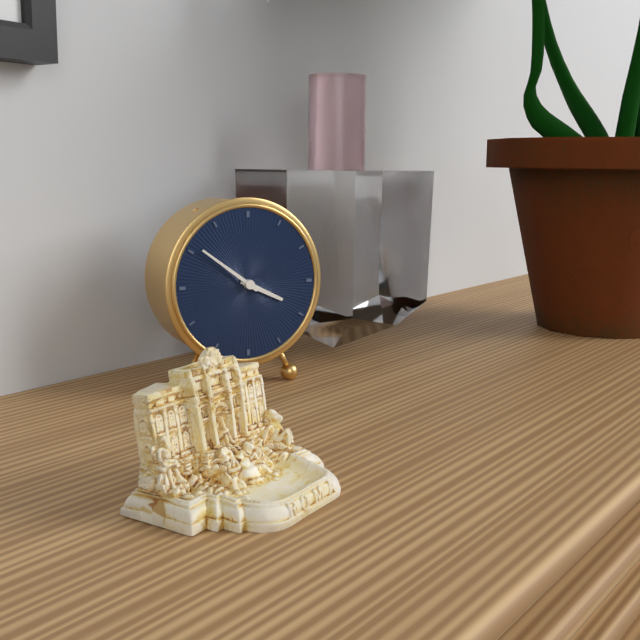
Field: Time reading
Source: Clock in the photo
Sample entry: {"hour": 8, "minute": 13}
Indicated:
{"hour": 3, "minute": 51}
